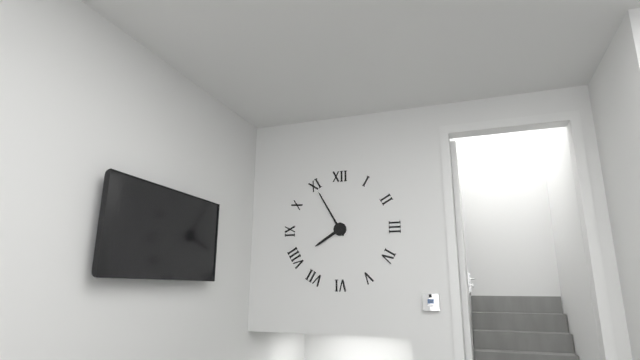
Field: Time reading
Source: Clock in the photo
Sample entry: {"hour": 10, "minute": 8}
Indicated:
{"hour": 7, "minute": 55}
